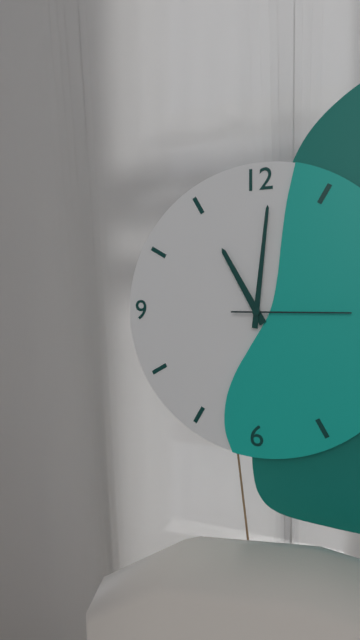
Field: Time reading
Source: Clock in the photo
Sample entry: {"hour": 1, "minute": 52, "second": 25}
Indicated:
{"hour": 11, "minute": 1, "second": 15}
